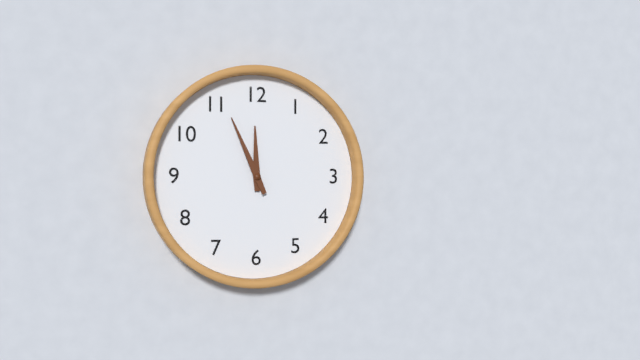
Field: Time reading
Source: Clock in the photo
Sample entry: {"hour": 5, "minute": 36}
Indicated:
{"hour": 11, "minute": 56}
